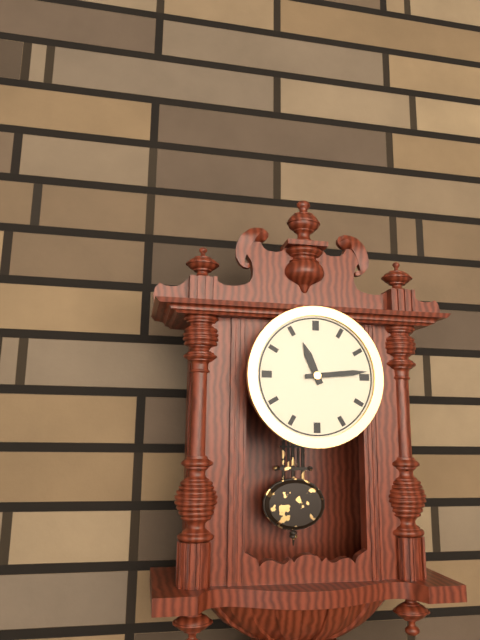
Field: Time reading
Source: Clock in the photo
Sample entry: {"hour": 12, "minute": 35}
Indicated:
{"hour": 11, "minute": 14}
